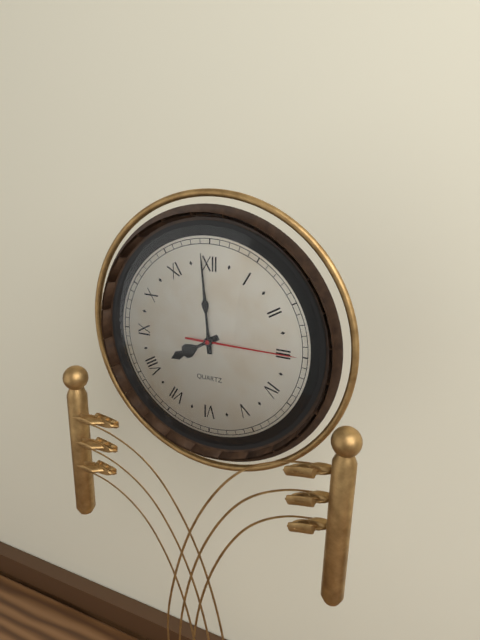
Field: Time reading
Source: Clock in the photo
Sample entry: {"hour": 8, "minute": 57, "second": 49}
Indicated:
{"hour": 7, "minute": 59, "second": 15}
